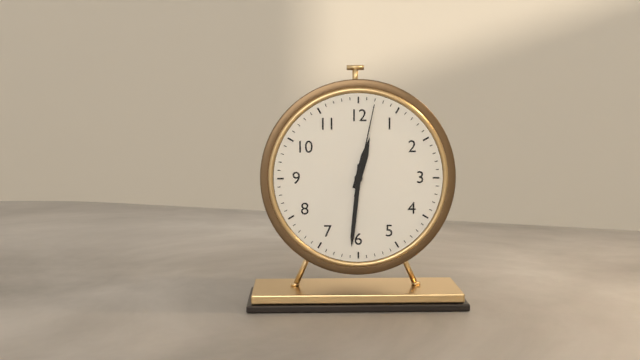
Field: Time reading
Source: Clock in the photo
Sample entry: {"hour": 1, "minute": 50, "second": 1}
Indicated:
{"hour": 12, "minute": 31, "second": 2}
